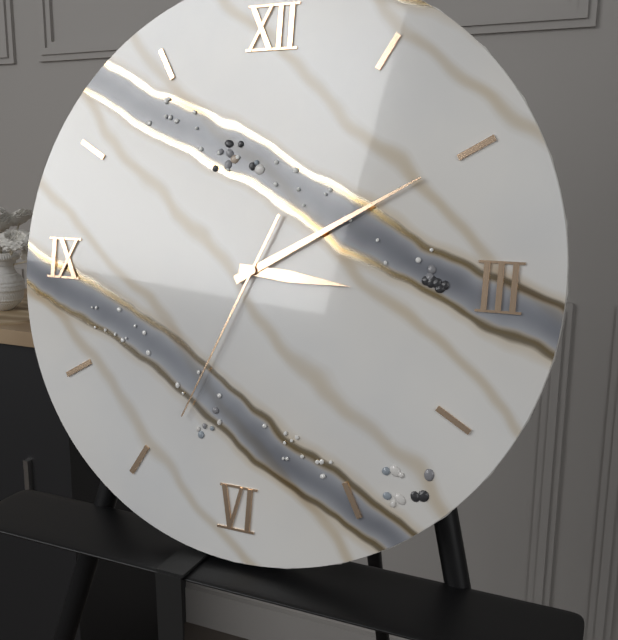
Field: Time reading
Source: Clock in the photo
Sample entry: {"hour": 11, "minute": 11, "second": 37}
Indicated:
{"hour": 3, "minute": 10, "second": 34}
